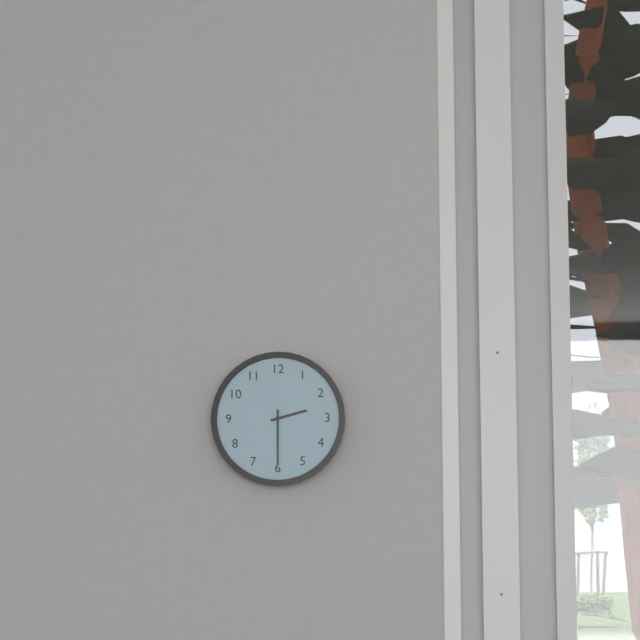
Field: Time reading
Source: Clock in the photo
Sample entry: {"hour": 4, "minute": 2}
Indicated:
{"hour": 2, "minute": 30}
